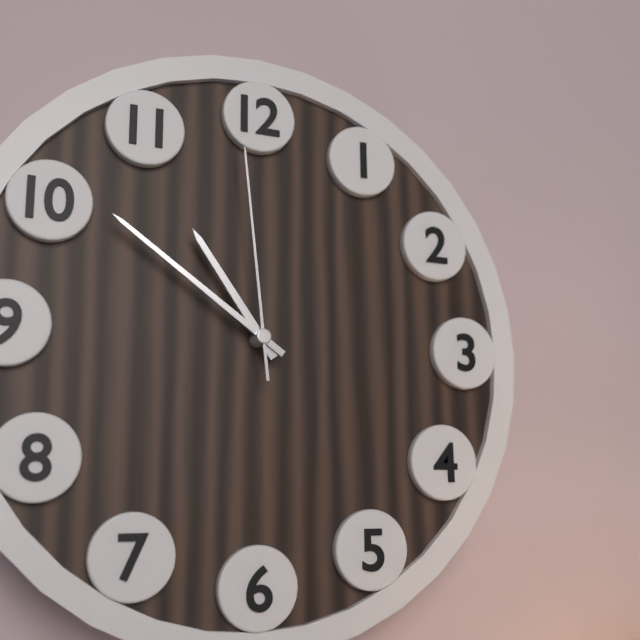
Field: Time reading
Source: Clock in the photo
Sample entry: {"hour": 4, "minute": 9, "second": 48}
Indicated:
{"hour": 10, "minute": 51, "second": 59}
